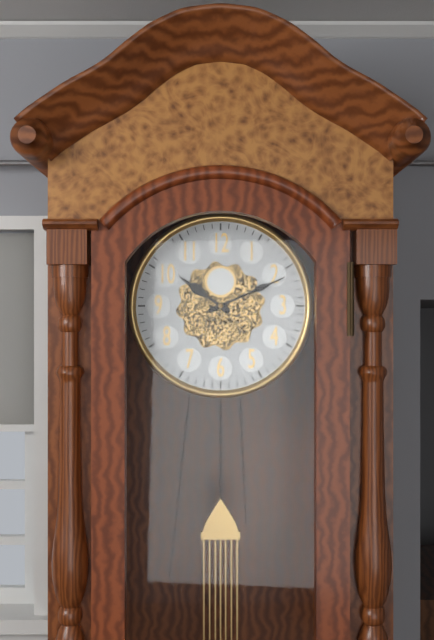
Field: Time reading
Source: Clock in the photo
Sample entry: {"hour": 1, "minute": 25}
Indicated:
{"hour": 10, "minute": 11}
